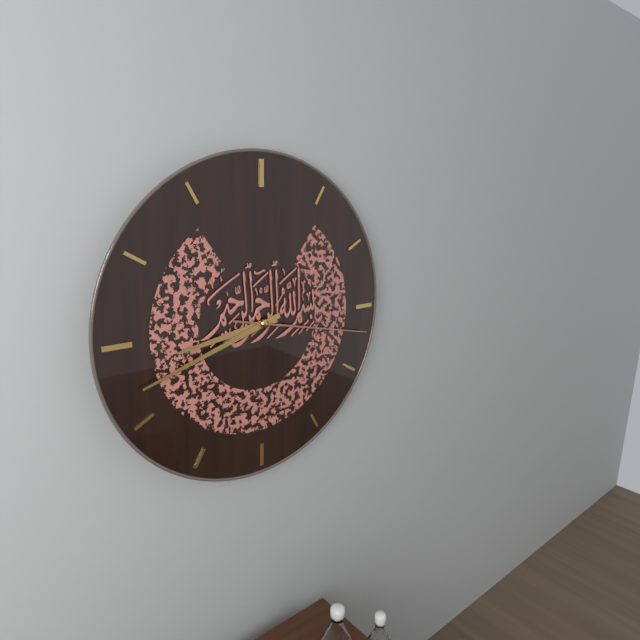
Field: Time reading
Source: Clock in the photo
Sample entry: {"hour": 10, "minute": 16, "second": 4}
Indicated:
{"hour": 8, "minute": 42, "second": 17}
